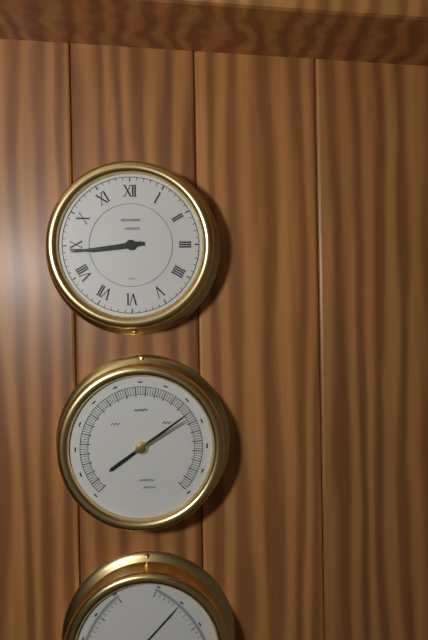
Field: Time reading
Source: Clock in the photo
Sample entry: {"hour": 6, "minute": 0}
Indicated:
{"hour": 8, "minute": 44}
